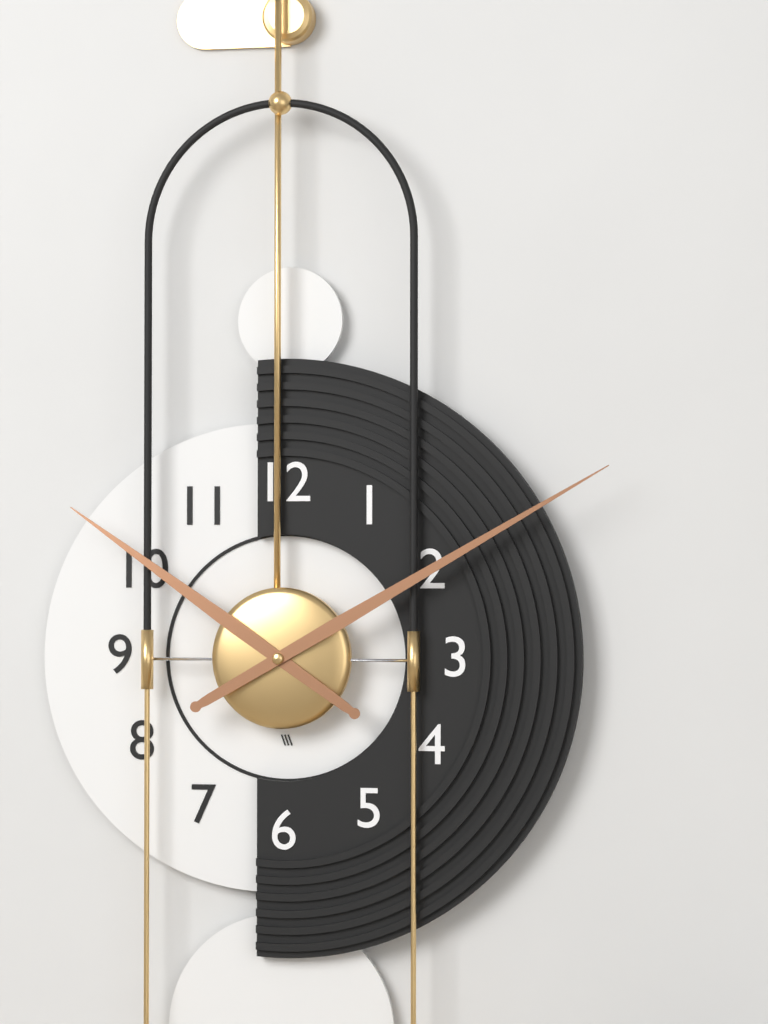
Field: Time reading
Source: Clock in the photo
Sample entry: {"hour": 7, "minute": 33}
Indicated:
{"hour": 10, "minute": 10}
